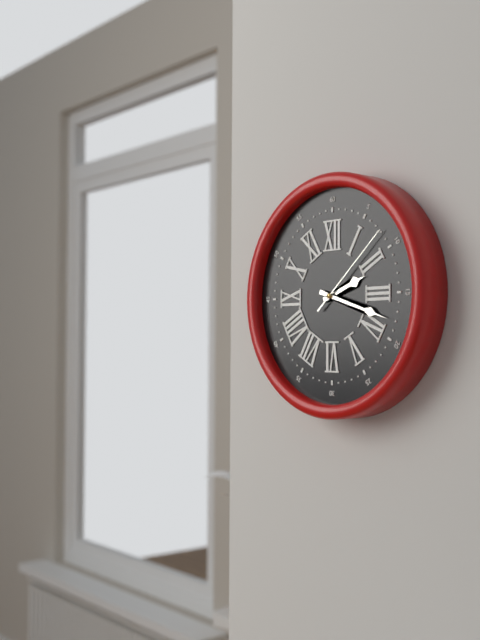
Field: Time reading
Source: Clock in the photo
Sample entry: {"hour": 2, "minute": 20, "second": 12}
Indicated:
{"hour": 2, "minute": 18, "second": 8}
